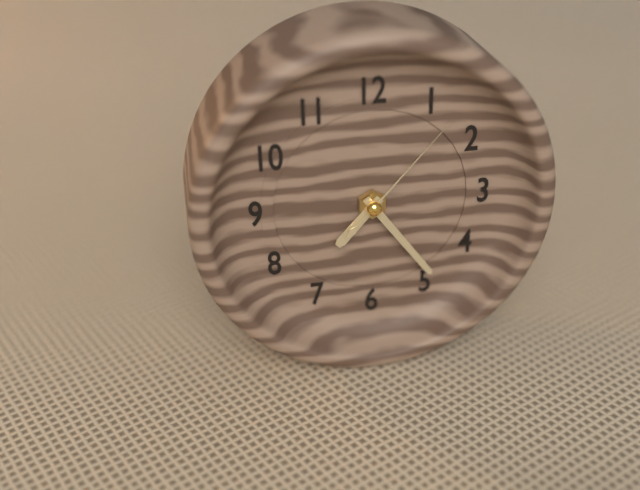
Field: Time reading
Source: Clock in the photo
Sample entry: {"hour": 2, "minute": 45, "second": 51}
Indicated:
{"hour": 7, "minute": 24, "second": 7}
